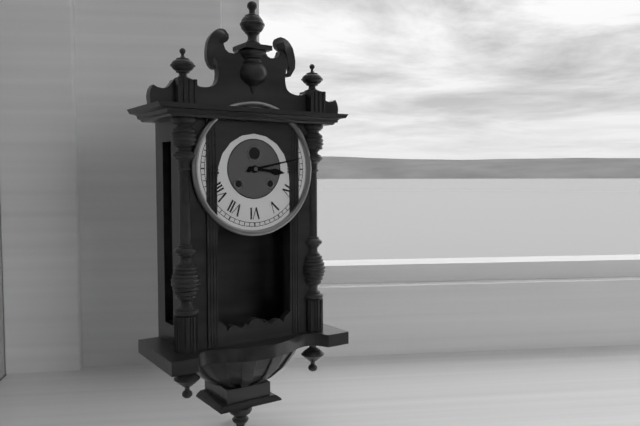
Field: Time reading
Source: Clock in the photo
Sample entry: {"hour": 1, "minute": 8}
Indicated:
{"hour": 3, "minute": 13}
